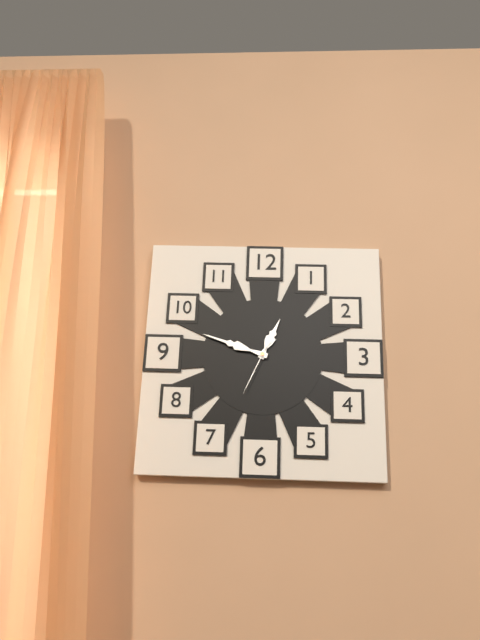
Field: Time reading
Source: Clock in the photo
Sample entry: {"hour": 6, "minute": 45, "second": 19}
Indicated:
{"hour": 12, "minute": 48, "second": 34}
